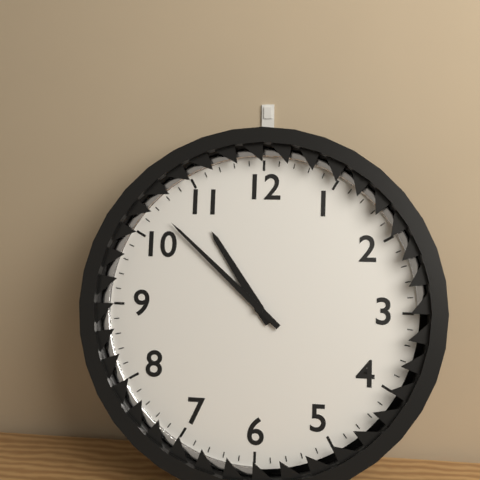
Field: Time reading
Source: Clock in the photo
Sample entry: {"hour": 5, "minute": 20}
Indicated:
{"hour": 10, "minute": 52}
